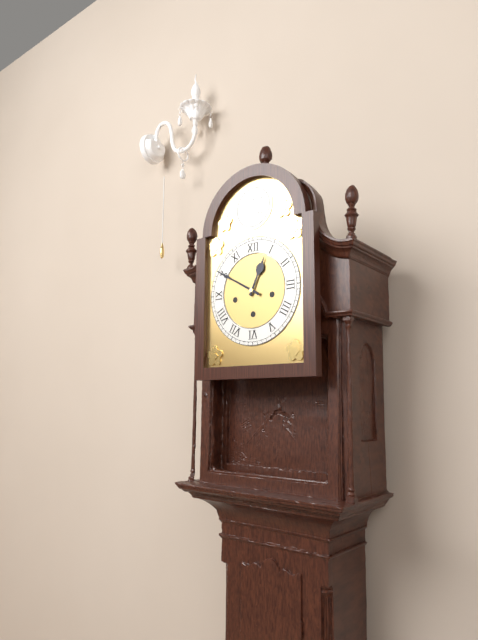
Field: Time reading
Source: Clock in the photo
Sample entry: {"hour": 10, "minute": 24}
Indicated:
{"hour": 12, "minute": 50}
